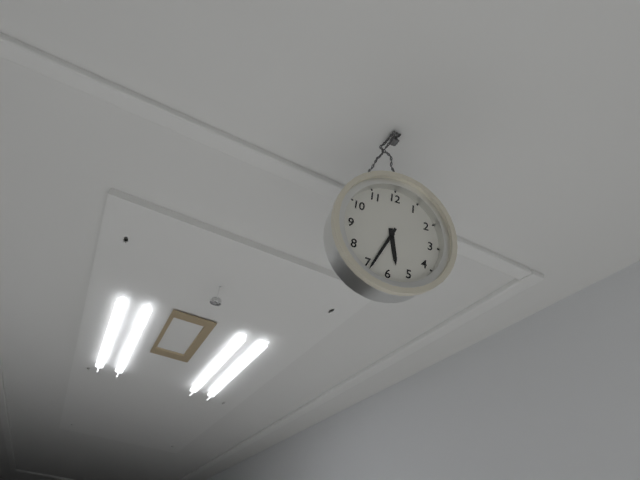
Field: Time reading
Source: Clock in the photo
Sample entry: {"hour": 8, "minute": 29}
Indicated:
{"hour": 5, "minute": 34}
